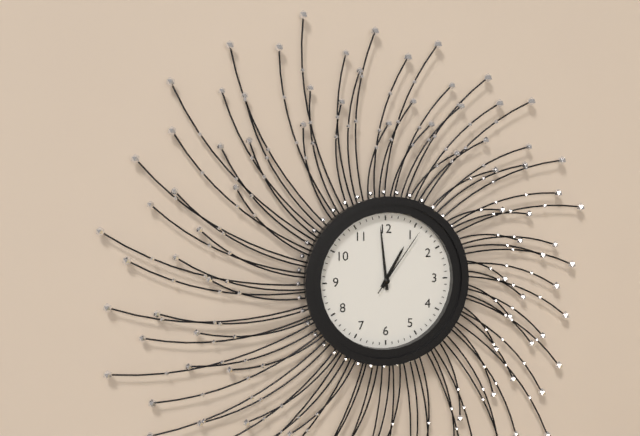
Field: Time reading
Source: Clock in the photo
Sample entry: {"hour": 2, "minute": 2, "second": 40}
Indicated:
{"hour": 12, "minute": 59, "second": 6}
